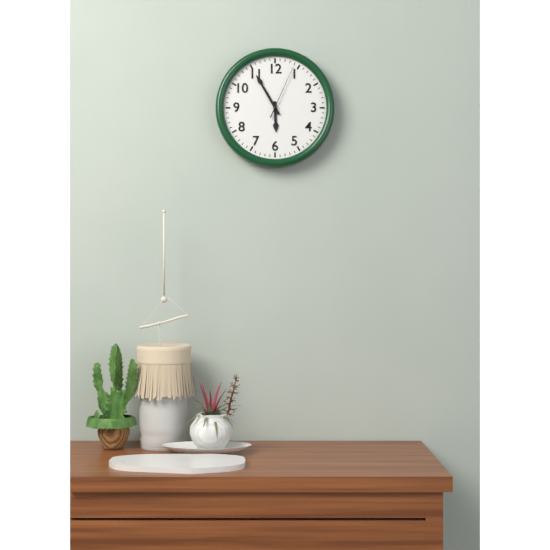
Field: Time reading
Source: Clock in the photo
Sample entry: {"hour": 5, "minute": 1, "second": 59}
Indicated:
{"hour": 5, "minute": 55, "second": 4}
